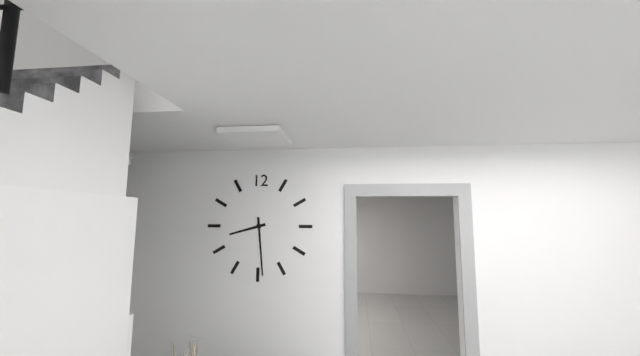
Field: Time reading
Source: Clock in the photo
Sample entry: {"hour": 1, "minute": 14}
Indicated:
{"hour": 8, "minute": 29}
